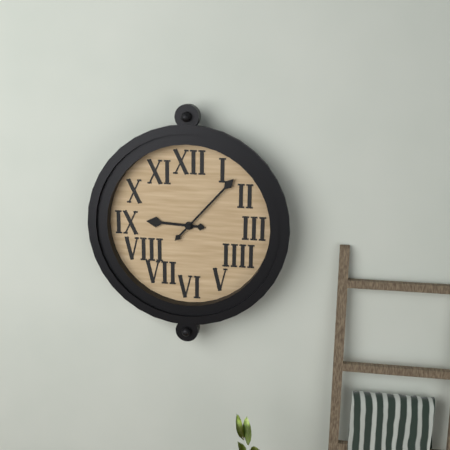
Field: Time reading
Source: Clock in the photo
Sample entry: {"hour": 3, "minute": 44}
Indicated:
{"hour": 9, "minute": 7}
